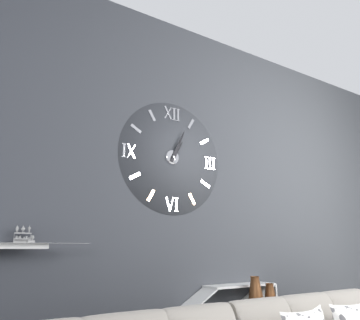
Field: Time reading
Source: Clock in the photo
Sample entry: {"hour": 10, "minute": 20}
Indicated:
{"hour": 1, "minute": 4}
